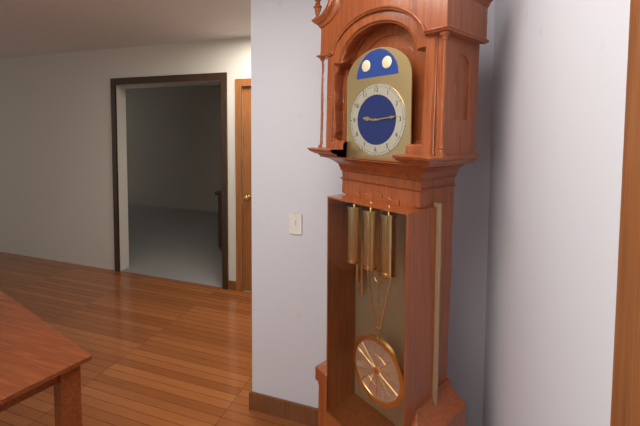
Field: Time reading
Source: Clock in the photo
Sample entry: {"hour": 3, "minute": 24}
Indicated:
{"hour": 9, "minute": 14}
